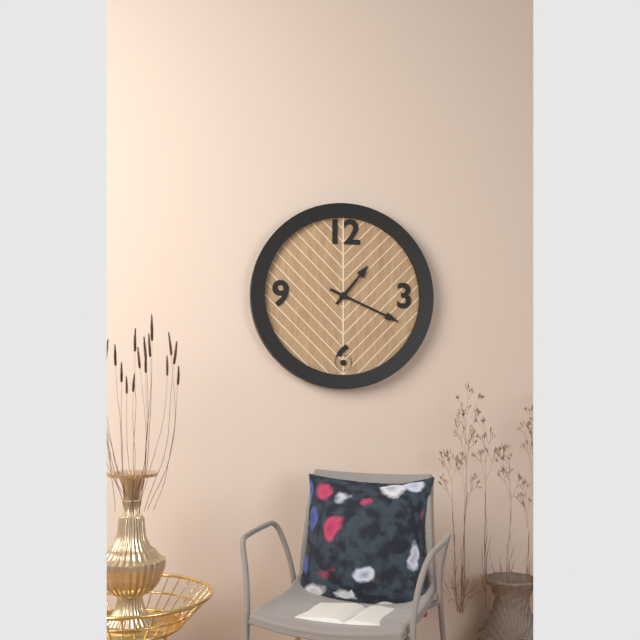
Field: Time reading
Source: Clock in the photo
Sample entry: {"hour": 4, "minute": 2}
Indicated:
{"hour": 1, "minute": 19}
